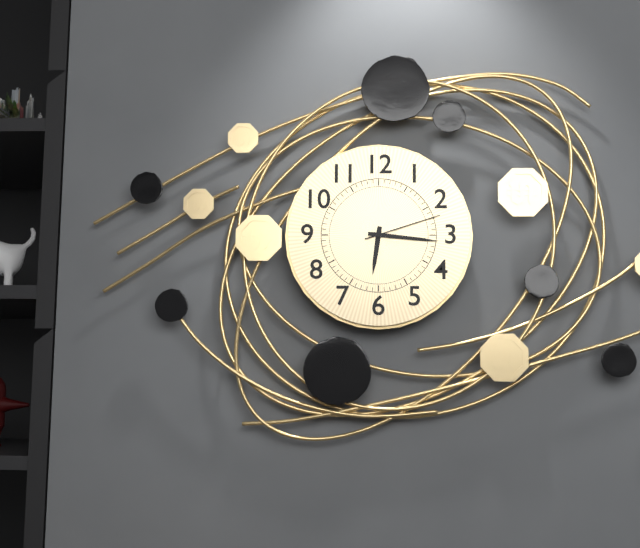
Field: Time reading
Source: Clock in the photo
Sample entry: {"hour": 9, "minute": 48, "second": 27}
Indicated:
{"hour": 6, "minute": 16, "second": 12}
